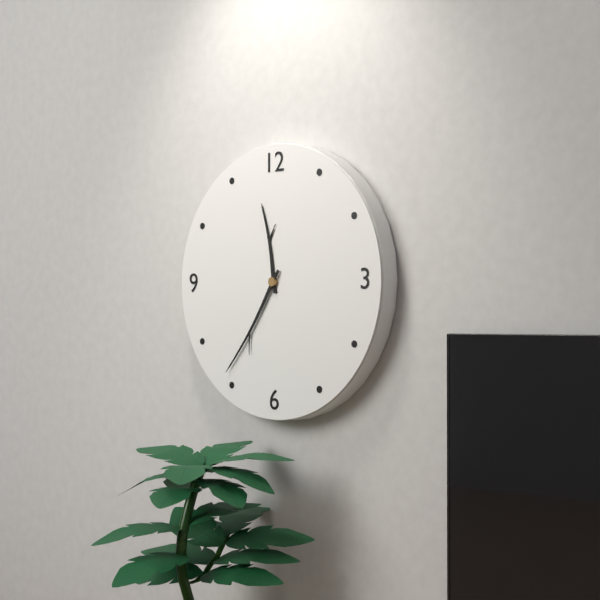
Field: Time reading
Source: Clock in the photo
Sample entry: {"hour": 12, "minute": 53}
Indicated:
{"hour": 11, "minute": 36}
